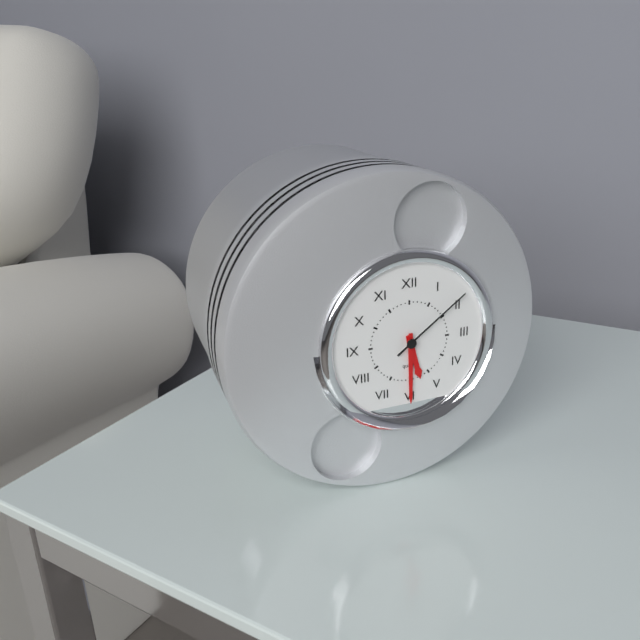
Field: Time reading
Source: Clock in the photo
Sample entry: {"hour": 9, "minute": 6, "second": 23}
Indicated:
{"hour": 5, "minute": 30, "second": 9}
